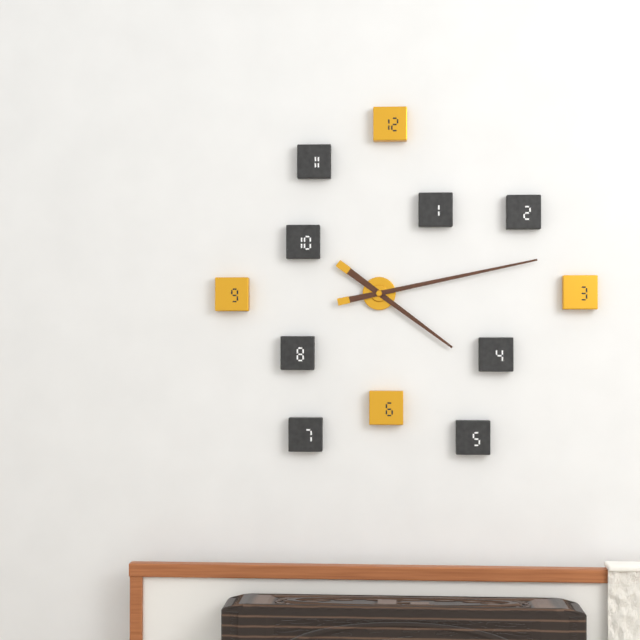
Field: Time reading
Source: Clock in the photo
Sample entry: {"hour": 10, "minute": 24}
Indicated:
{"hour": 4, "minute": 13}
